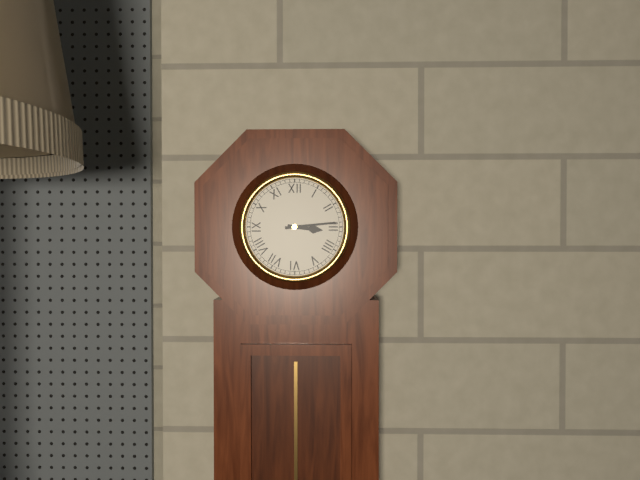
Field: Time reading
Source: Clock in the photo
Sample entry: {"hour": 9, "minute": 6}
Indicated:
{"hour": 3, "minute": 14}
